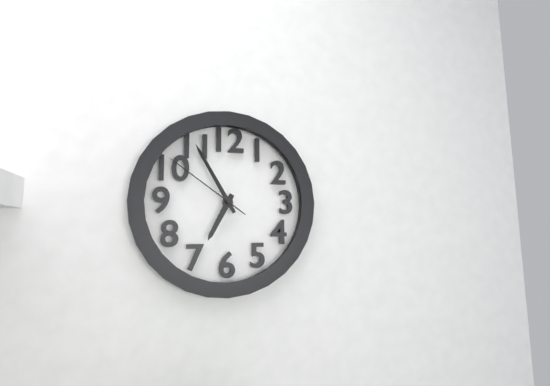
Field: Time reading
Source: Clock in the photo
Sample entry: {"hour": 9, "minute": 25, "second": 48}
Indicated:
{"hour": 6, "minute": 55, "second": 51}
